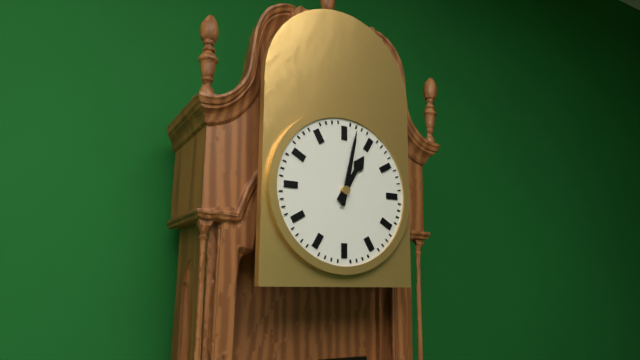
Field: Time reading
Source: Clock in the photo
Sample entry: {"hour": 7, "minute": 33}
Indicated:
{"hour": 1, "minute": 2}
